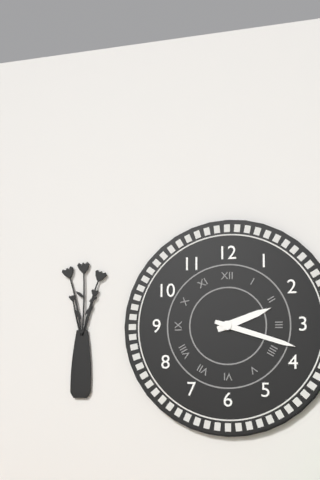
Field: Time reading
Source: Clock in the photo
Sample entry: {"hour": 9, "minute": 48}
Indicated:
{"hour": 2, "minute": 18}
